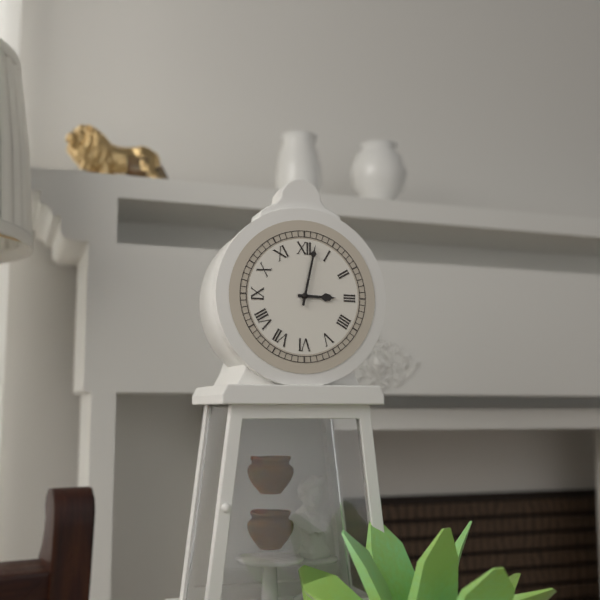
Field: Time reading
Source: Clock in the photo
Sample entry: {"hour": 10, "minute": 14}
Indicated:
{"hour": 3, "minute": 2}
